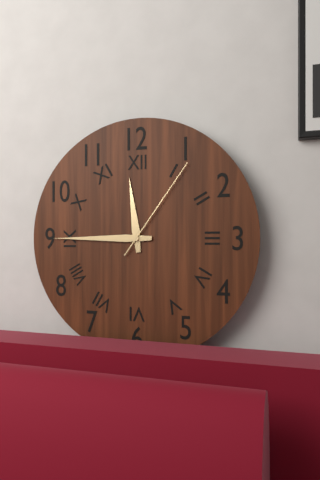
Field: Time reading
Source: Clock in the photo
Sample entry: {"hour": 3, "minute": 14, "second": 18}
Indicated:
{"hour": 11, "minute": 45, "second": 6}
